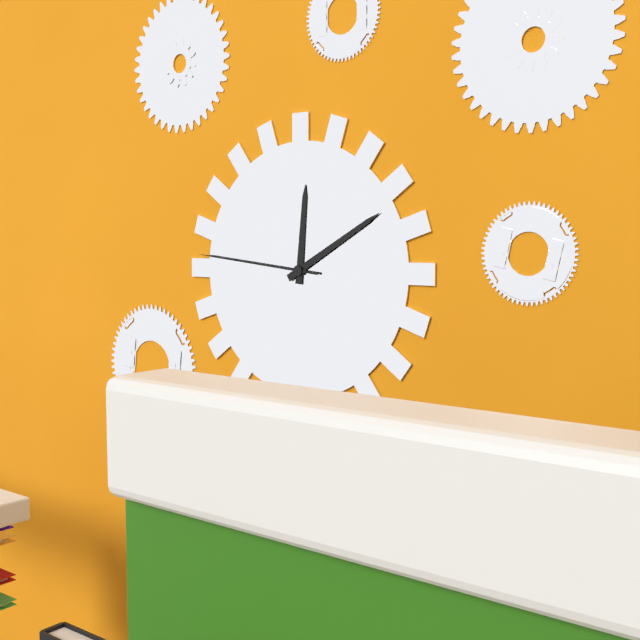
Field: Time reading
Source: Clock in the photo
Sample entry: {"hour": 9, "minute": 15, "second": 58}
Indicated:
{"hour": 12, "minute": 10, "second": 46}
